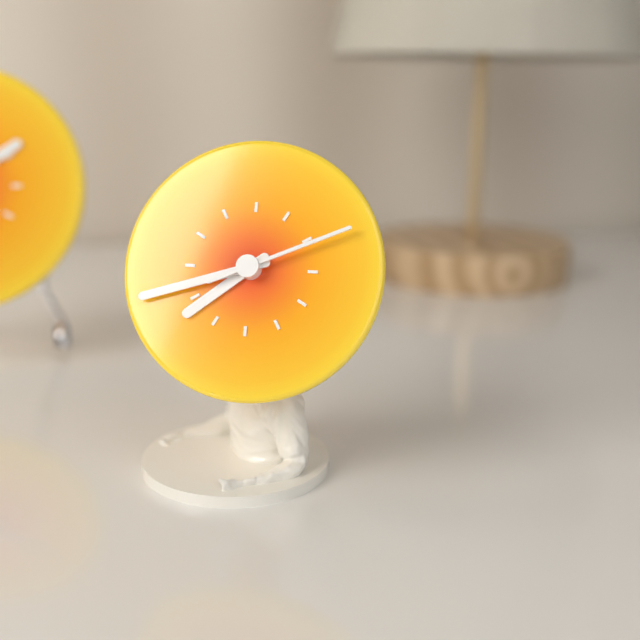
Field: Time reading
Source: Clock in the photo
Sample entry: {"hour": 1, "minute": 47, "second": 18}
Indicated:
{"hour": 7, "minute": 42, "second": 11}
